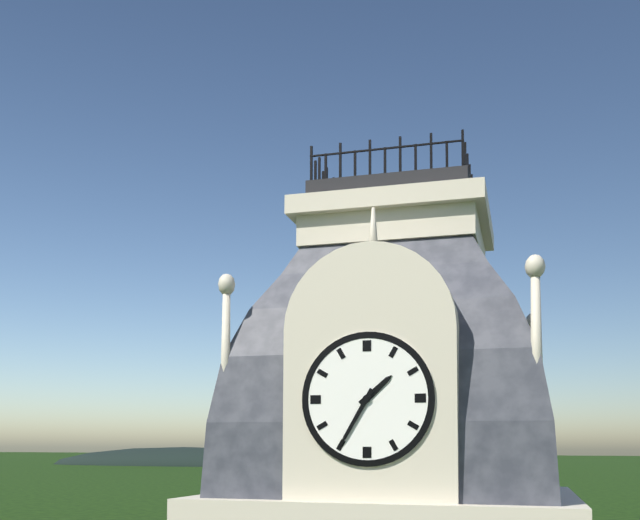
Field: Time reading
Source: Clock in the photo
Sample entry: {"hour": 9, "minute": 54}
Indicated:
{"hour": 1, "minute": 35}
